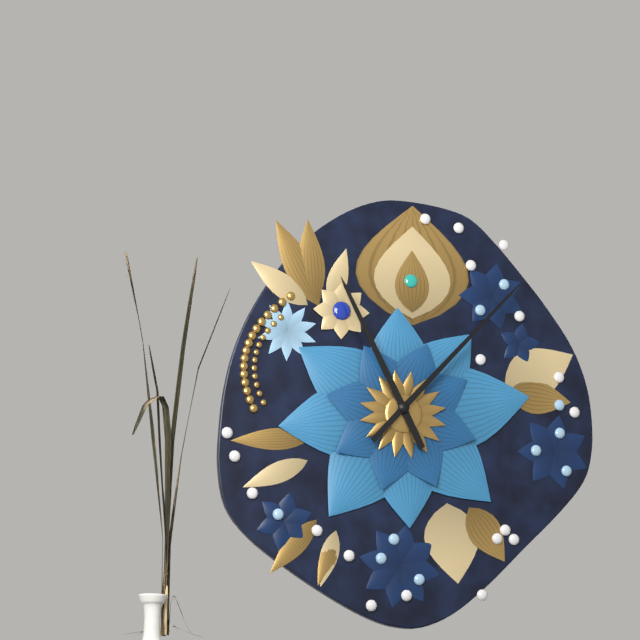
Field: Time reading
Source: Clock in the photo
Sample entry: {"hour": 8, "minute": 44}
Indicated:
{"hour": 11, "minute": 7}
